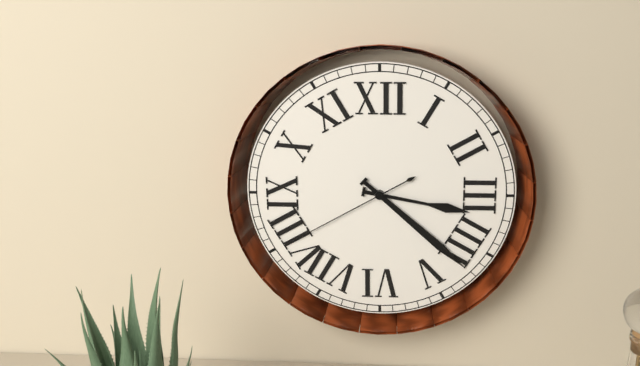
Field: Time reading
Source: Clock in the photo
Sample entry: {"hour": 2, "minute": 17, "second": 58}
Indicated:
{"hour": 3, "minute": 22, "second": 40}
